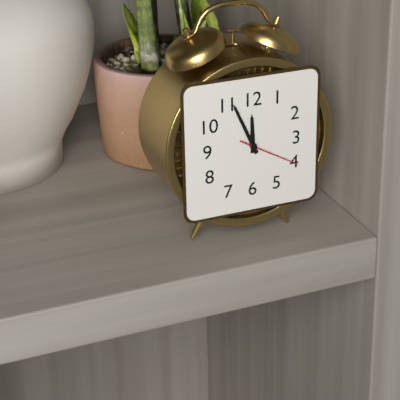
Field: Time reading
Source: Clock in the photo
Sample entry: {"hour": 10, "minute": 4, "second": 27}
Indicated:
{"hour": 11, "minute": 56, "second": 20}
